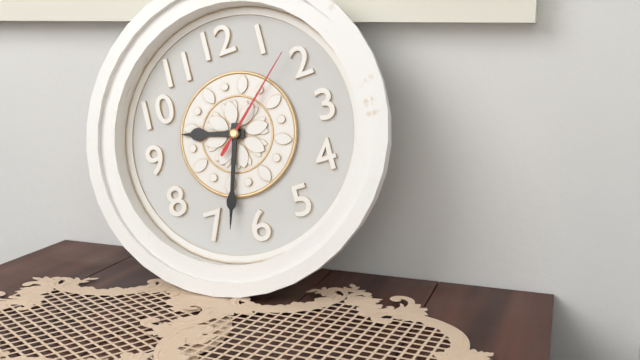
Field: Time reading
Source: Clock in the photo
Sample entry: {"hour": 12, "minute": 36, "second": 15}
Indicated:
{"hour": 9, "minute": 33, "second": 8}
